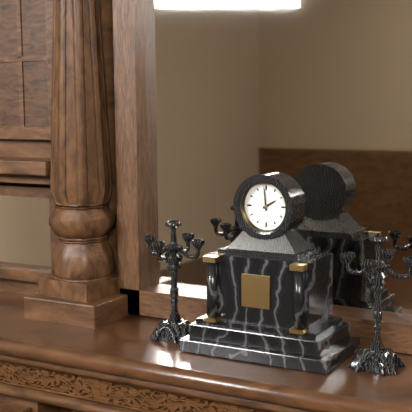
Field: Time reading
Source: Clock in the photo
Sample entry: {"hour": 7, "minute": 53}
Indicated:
{"hour": 1, "minute": 59}
